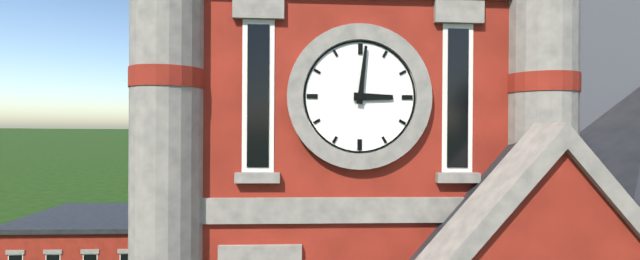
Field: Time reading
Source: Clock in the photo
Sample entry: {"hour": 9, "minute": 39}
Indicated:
{"hour": 3, "minute": 1}
